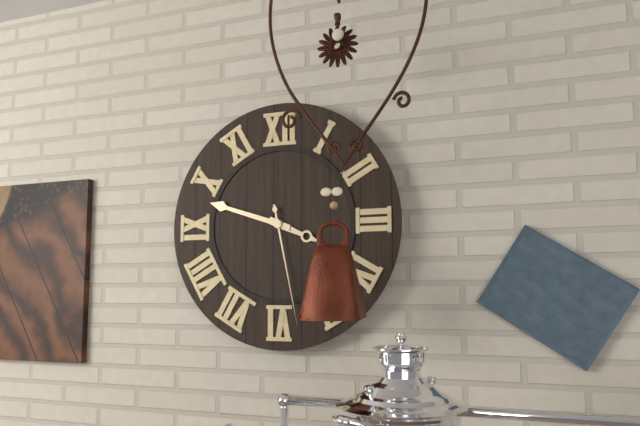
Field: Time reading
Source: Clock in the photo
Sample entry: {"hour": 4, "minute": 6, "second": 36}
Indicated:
{"hour": 3, "minute": 48, "second": 28}
